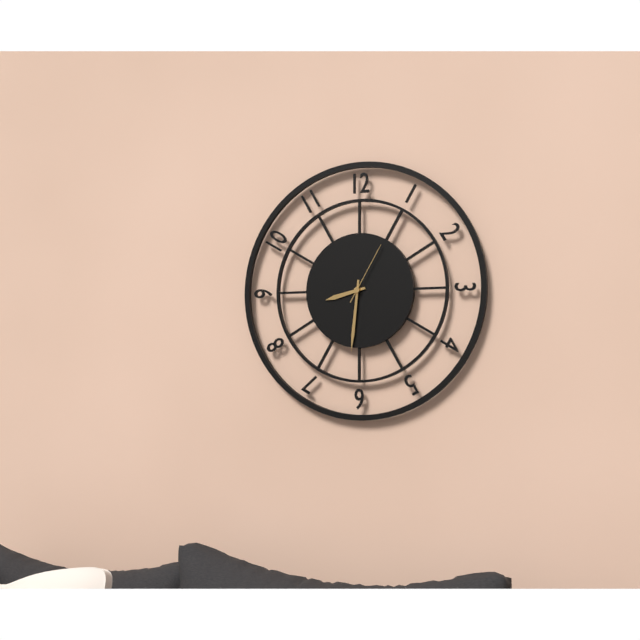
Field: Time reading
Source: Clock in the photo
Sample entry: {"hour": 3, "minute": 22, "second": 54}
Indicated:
{"hour": 8, "minute": 31, "second": 5}
